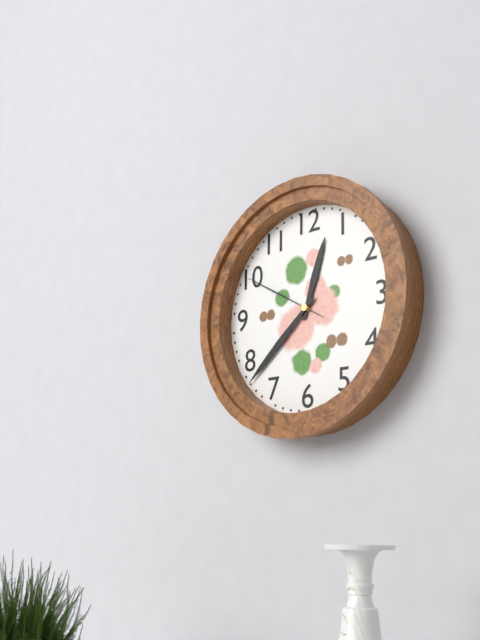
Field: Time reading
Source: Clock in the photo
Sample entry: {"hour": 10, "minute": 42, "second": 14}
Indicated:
{"hour": 12, "minute": 38, "second": 50}
